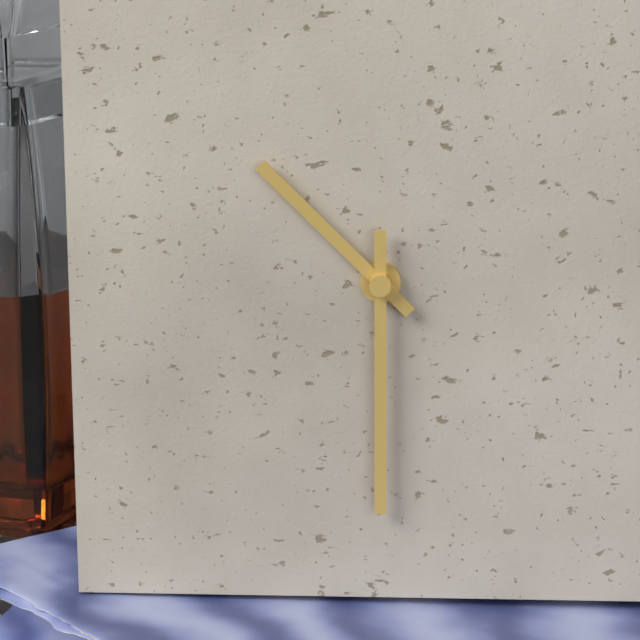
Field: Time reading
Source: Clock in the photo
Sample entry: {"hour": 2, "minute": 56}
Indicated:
{"hour": 10, "minute": 30}
